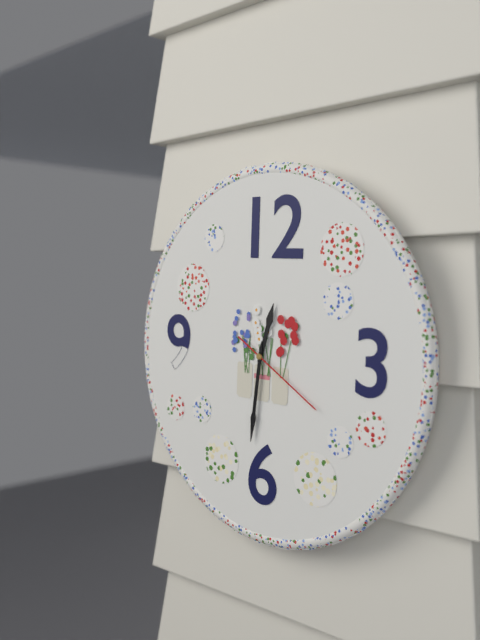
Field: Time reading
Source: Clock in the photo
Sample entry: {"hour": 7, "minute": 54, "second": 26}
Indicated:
{"hour": 12, "minute": 31, "second": 20}
